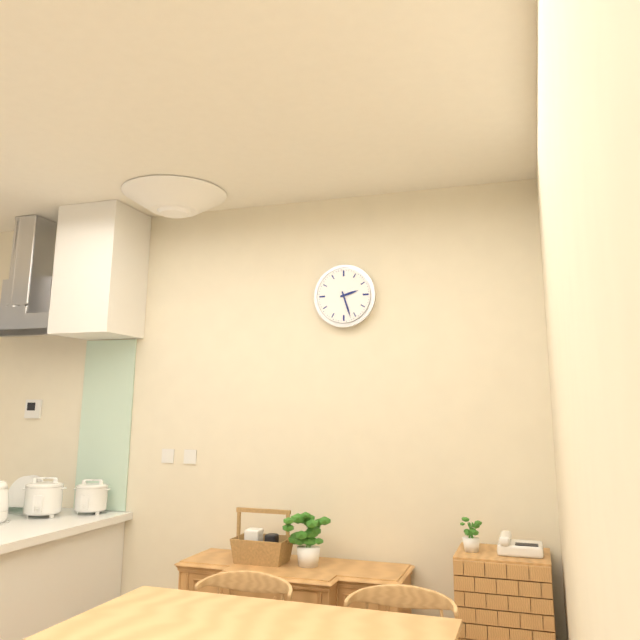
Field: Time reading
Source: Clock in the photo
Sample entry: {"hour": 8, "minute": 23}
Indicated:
{"hour": 2, "minute": 27}
